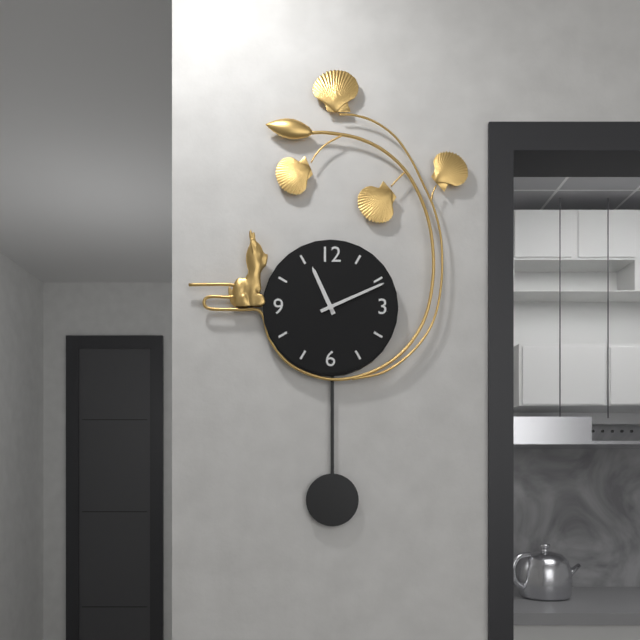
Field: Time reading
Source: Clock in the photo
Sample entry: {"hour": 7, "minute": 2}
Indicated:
{"hour": 11, "minute": 11}
